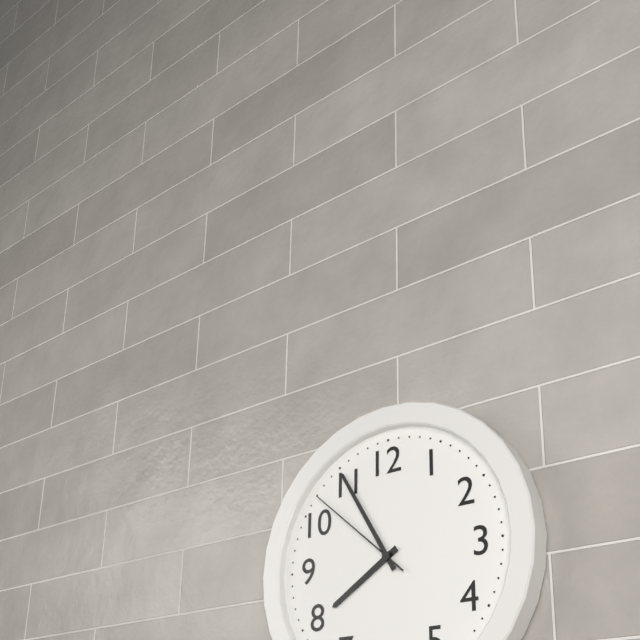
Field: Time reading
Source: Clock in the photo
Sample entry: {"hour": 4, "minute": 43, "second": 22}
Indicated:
{"hour": 7, "minute": 55, "second": 52}
